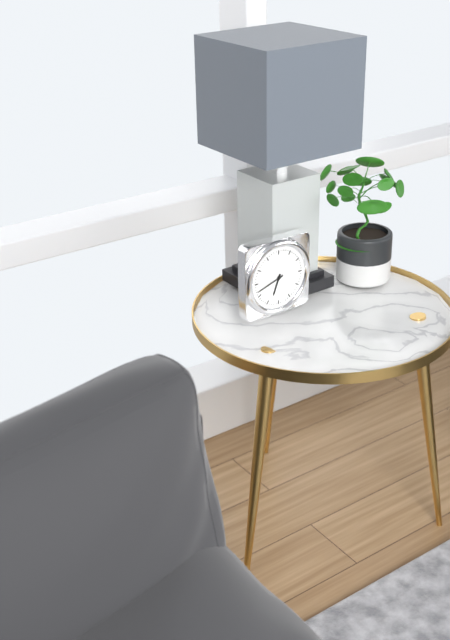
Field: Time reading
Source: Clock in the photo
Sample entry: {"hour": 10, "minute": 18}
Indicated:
{"hour": 6, "minute": 42}
